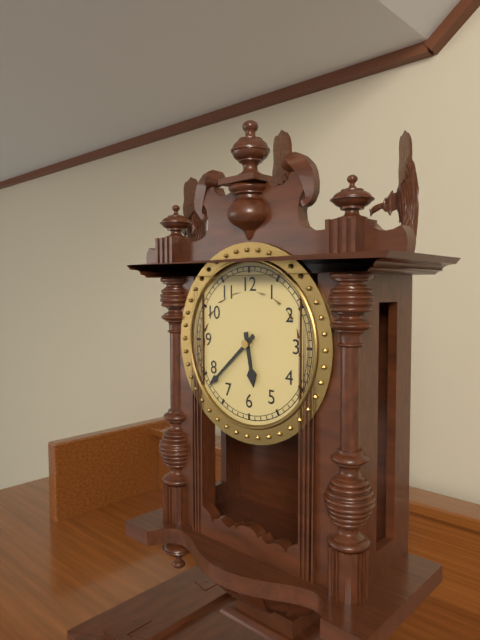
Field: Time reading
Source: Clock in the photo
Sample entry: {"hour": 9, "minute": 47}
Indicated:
{"hour": 5, "minute": 38}
